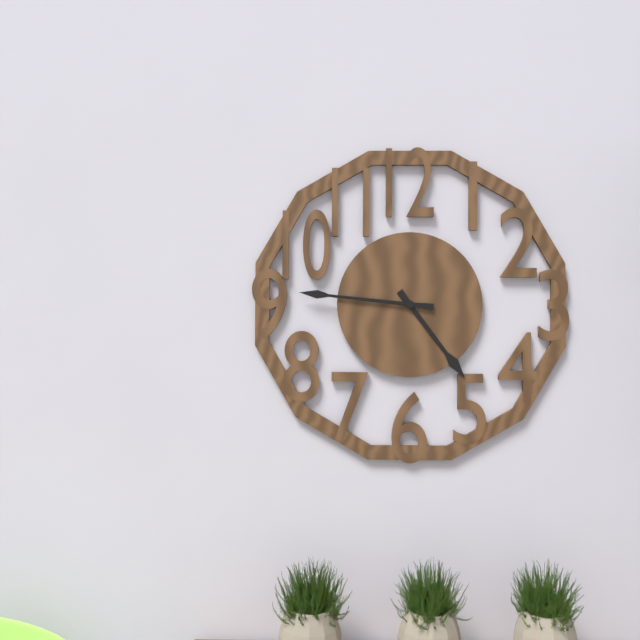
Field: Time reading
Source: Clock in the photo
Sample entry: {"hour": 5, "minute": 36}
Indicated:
{"hour": 4, "minute": 46}
